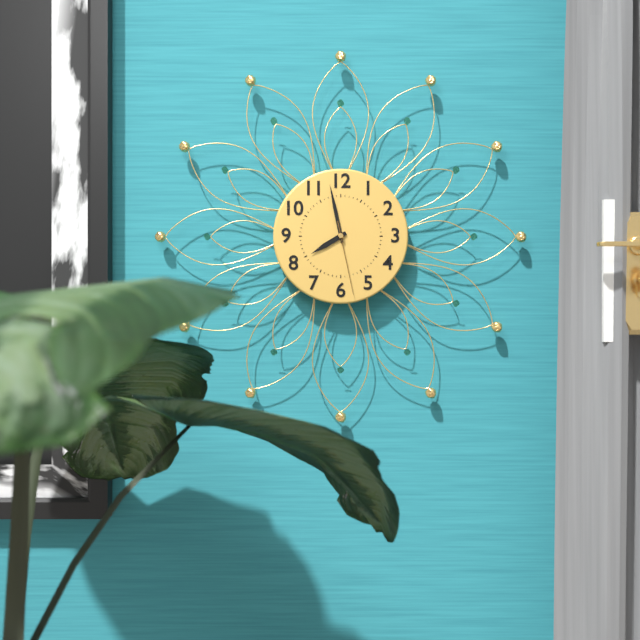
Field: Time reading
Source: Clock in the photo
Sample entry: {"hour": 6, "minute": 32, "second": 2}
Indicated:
{"hour": 7, "minute": 58, "second": 28}
